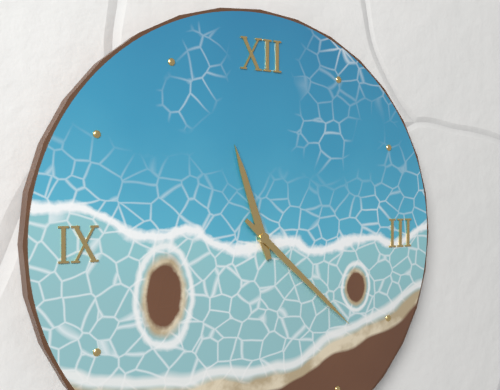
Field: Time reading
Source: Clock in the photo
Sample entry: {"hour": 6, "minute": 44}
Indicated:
{"hour": 11, "minute": 22}
